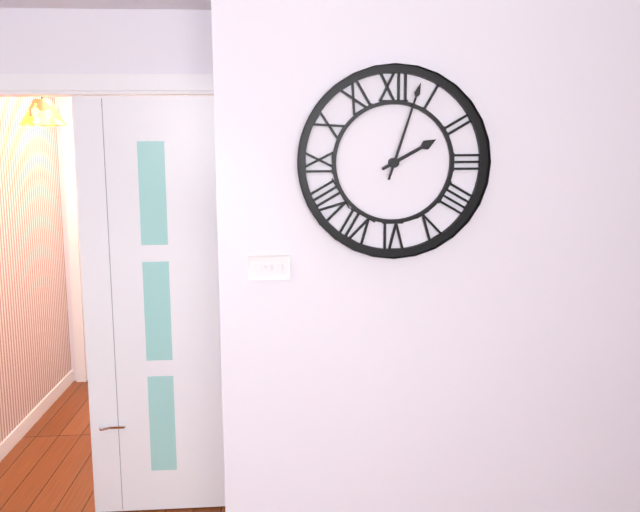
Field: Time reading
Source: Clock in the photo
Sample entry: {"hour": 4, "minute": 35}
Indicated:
{"hour": 2, "minute": 3}
